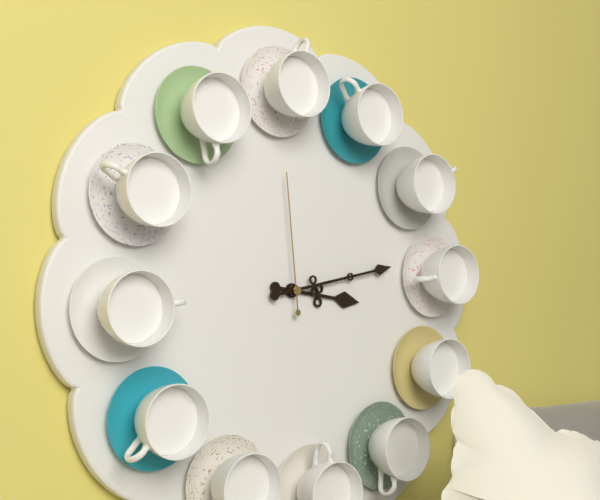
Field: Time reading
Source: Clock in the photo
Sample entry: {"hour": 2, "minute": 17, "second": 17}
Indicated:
{"hour": 3, "minute": 13, "second": 59}
